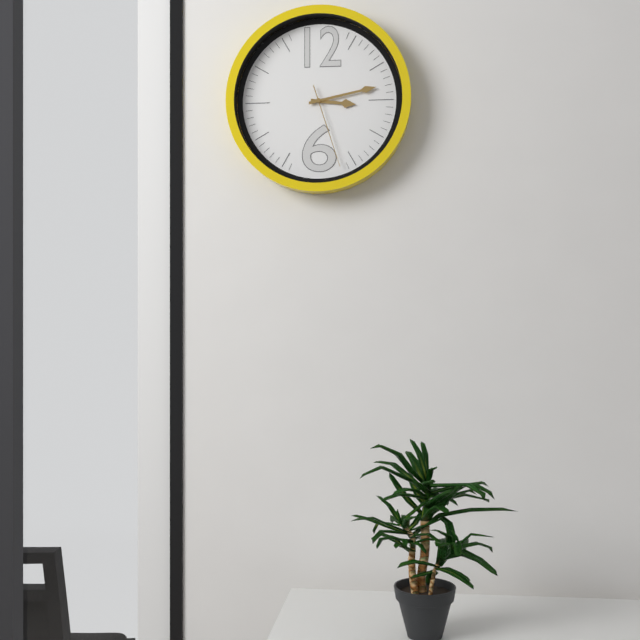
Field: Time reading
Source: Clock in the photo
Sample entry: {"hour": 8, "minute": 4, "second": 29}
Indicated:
{"hour": 3, "minute": 13, "second": 27}
